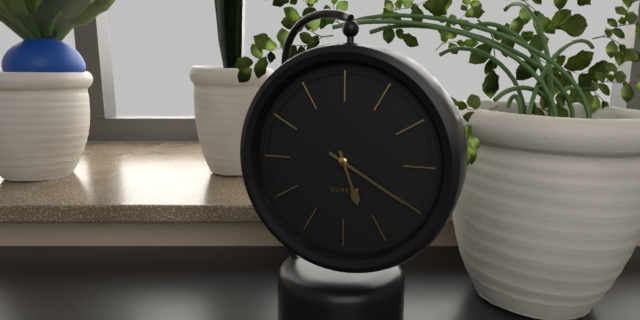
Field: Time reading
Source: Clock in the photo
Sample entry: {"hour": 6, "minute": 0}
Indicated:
{"hour": 5, "minute": 20}
